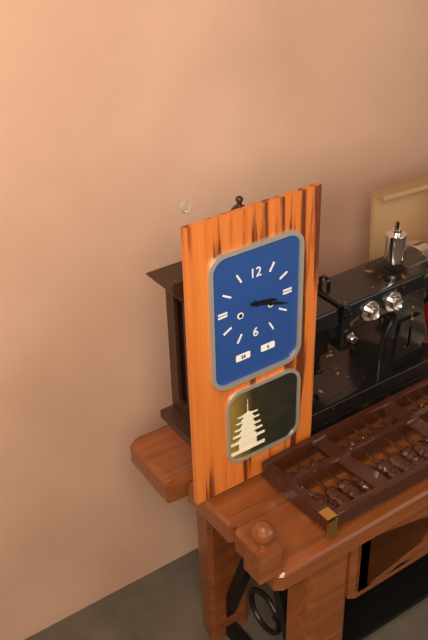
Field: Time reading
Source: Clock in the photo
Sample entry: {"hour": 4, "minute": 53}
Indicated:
{"hour": 3, "minute": 18}
